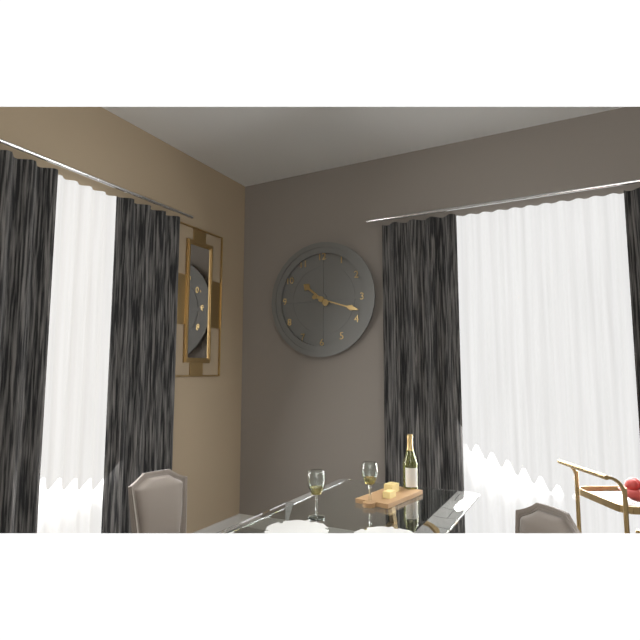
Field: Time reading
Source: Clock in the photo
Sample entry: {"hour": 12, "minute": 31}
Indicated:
{"hour": 10, "minute": 18}
